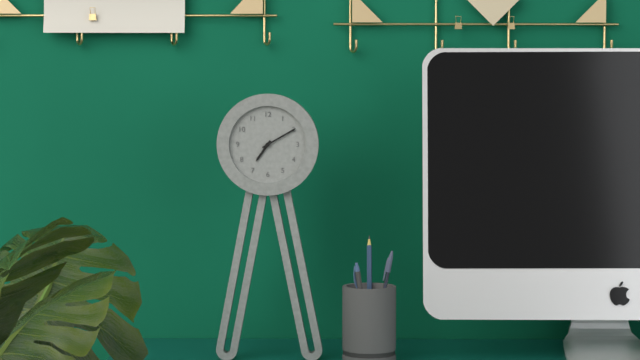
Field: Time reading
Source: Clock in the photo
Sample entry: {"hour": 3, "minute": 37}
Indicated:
{"hour": 7, "minute": 10}
